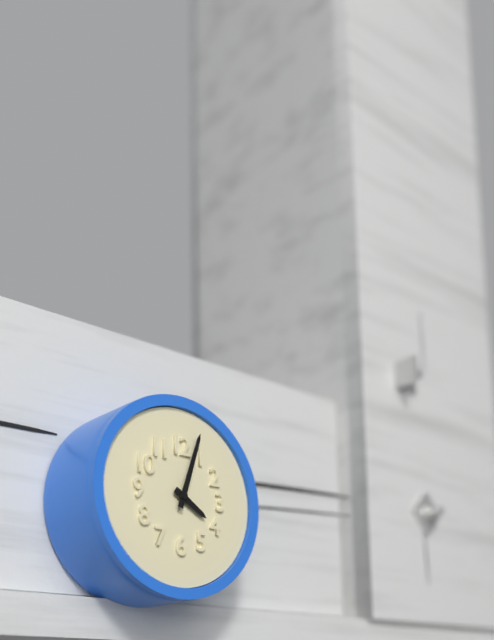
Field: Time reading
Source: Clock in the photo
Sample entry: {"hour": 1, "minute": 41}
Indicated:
{"hour": 4, "minute": 3}
